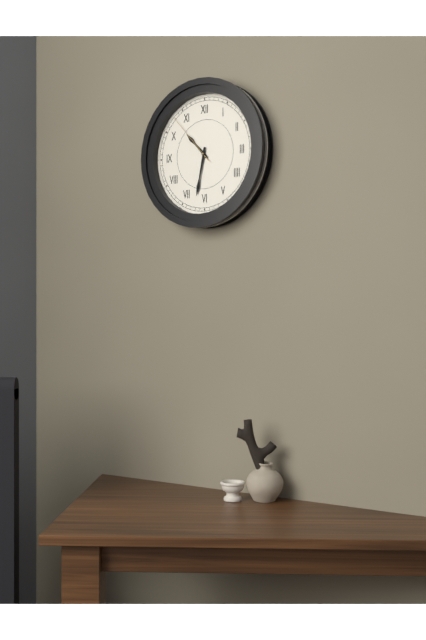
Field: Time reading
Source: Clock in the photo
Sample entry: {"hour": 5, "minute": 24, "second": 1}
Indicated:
{"hour": 10, "minute": 32, "second": 53}
